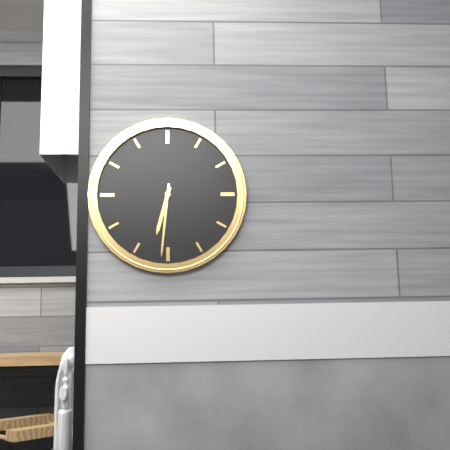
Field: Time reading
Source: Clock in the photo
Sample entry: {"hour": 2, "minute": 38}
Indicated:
{"hour": 6, "minute": 31}
